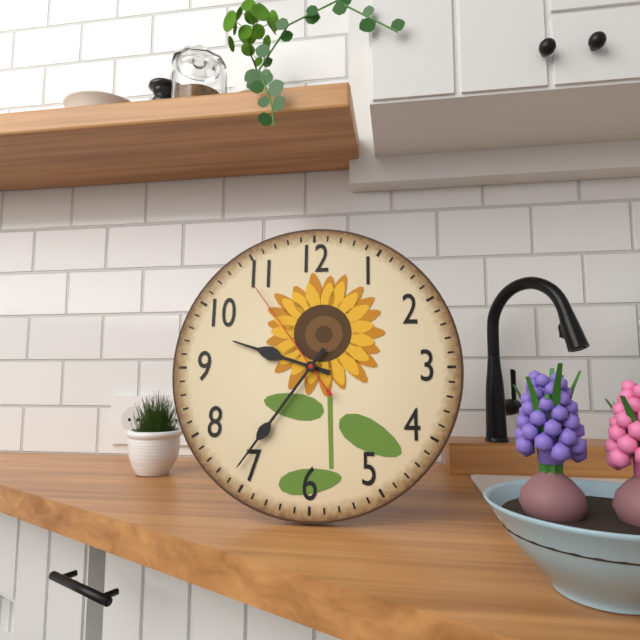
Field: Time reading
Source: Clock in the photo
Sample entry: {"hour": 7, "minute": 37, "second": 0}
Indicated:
{"hour": 9, "minute": 36, "second": 54}
